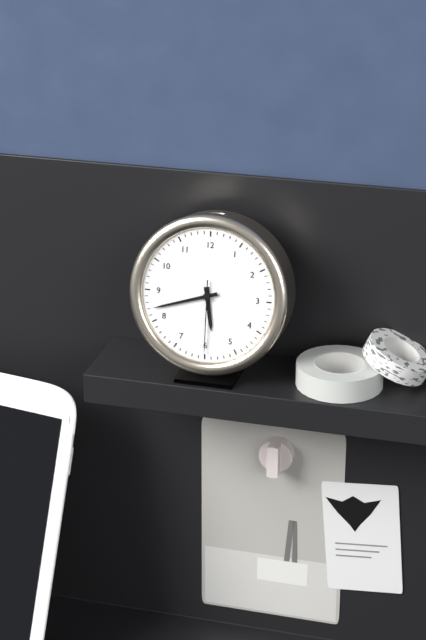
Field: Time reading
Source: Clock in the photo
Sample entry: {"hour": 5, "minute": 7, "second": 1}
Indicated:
{"hour": 5, "minute": 42, "second": 30}
